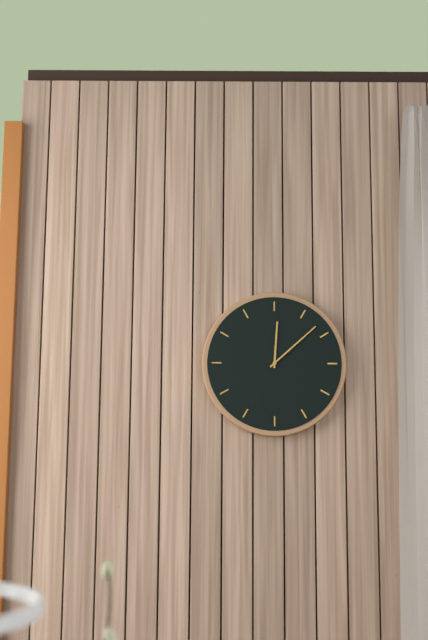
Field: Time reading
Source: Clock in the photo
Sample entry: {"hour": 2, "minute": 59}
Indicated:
{"hour": 12, "minute": 8}
